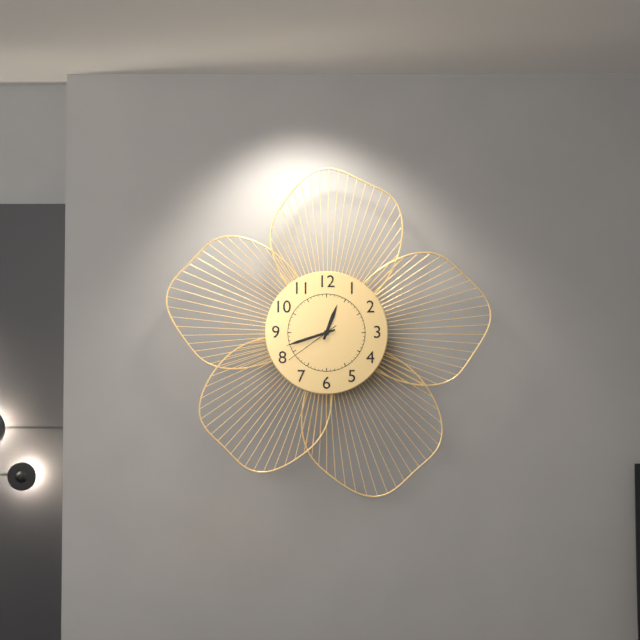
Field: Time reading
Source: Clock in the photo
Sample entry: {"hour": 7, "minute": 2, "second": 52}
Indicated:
{"hour": 12, "minute": 42, "second": 39}
